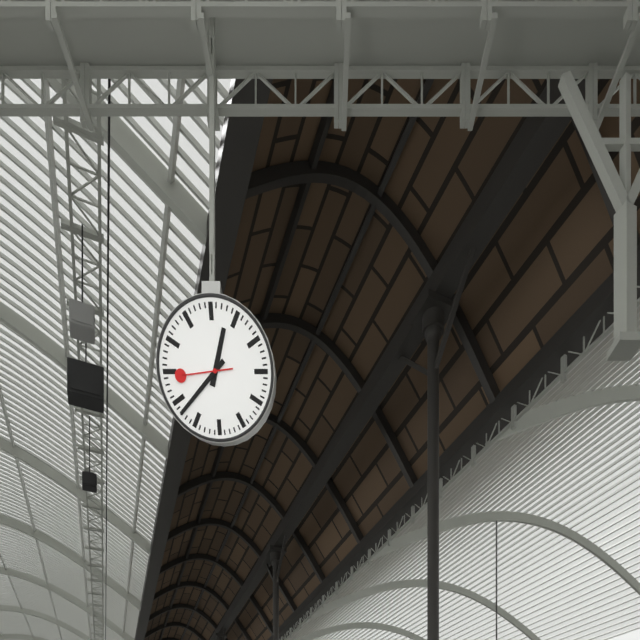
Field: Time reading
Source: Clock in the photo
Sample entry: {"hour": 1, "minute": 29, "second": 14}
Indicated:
{"hour": 12, "minute": 38, "second": 44}
